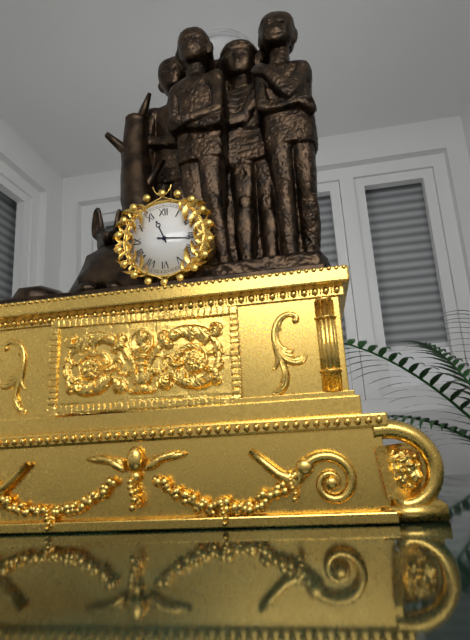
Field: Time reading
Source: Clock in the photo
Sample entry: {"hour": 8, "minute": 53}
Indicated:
{"hour": 11, "minute": 16}
